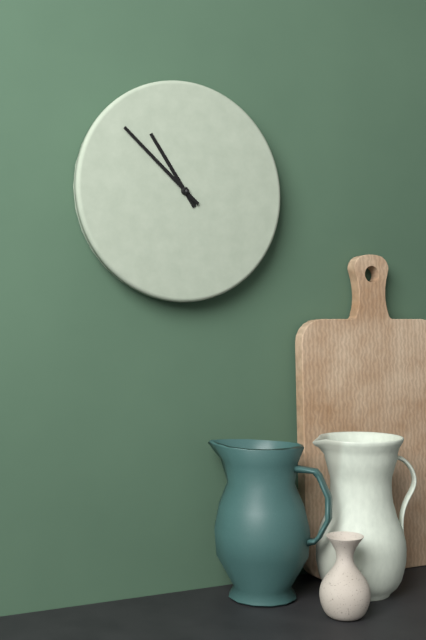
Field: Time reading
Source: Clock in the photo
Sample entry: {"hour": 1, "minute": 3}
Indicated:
{"hour": 10, "minute": 52}
